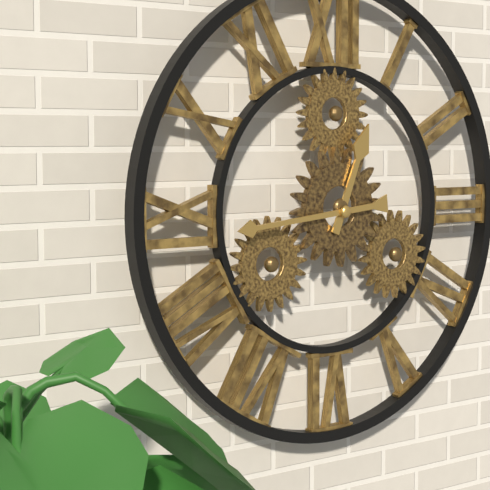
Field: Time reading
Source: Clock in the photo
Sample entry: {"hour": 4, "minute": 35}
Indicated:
{"hour": 12, "minute": 44}
